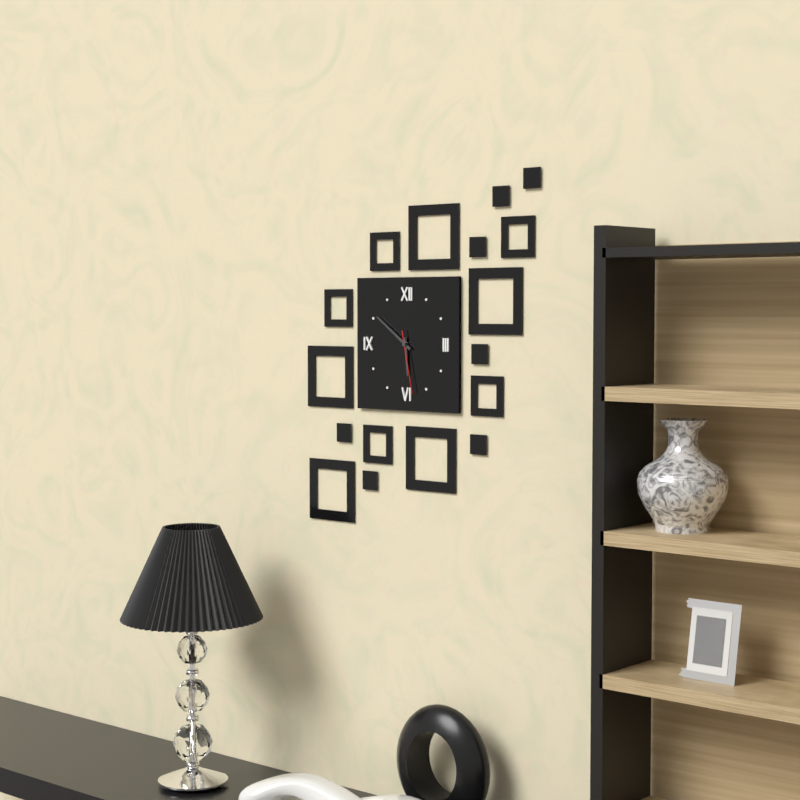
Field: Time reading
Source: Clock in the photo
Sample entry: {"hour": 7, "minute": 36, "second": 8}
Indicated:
{"hour": 5, "minute": 51, "second": 28}
